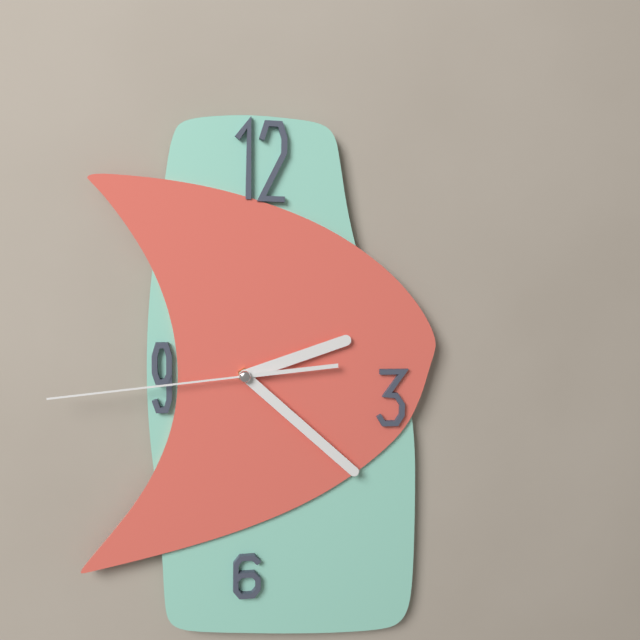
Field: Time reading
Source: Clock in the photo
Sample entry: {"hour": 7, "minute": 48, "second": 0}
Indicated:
{"hour": 2, "minute": 22, "second": 44}
